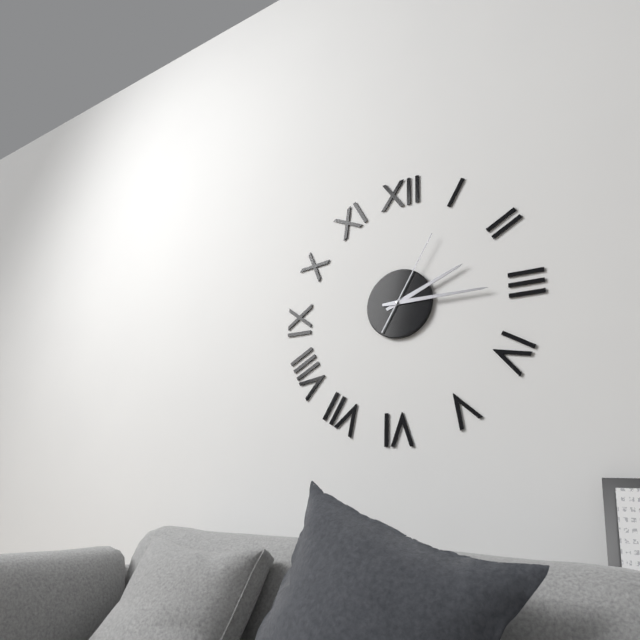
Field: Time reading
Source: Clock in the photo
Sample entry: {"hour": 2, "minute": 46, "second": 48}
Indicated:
{"hour": 2, "minute": 15, "second": 5}
